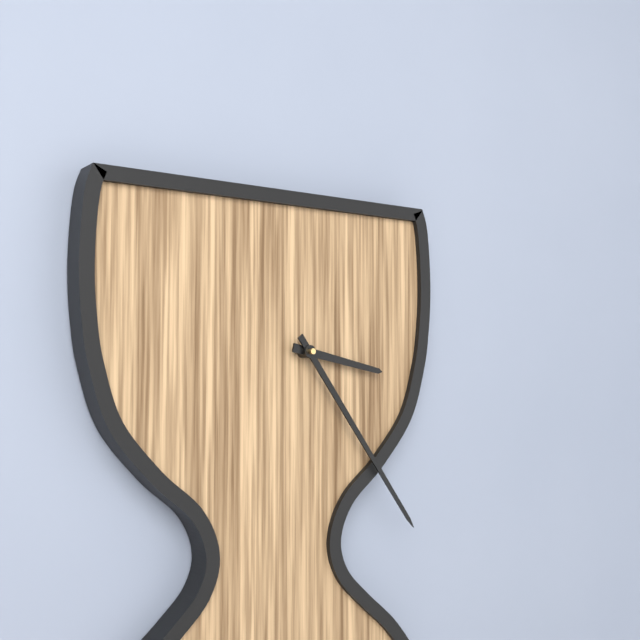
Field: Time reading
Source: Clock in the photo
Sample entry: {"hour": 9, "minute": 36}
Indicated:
{"hour": 3, "minute": 24}
